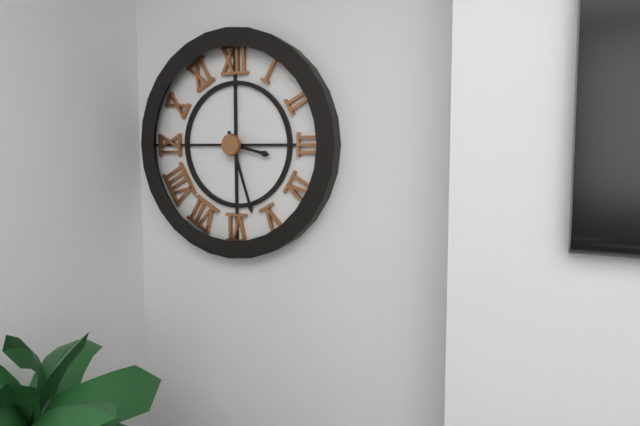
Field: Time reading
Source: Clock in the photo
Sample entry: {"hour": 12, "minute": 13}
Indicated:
{"hour": 3, "minute": 27}
